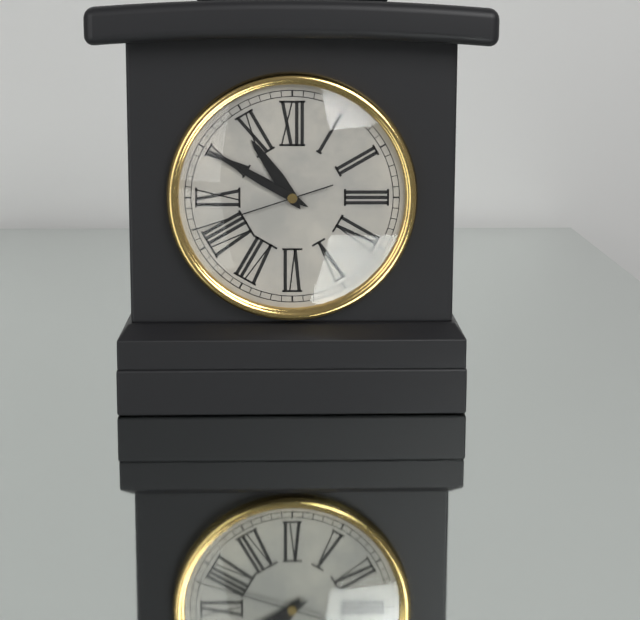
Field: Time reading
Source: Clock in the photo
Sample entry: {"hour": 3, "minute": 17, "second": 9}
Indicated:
{"hour": 10, "minute": 50, "second": 42}
